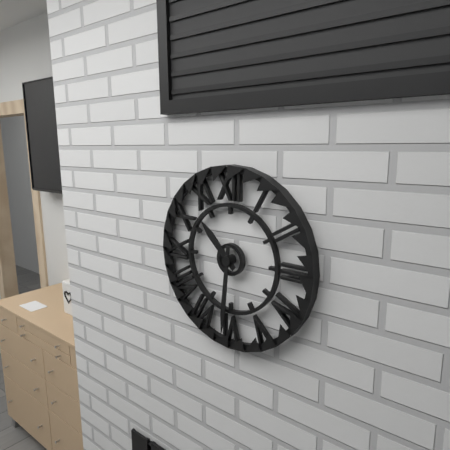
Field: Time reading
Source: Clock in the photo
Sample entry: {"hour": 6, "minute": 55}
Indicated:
{"hour": 10, "minute": 31}
